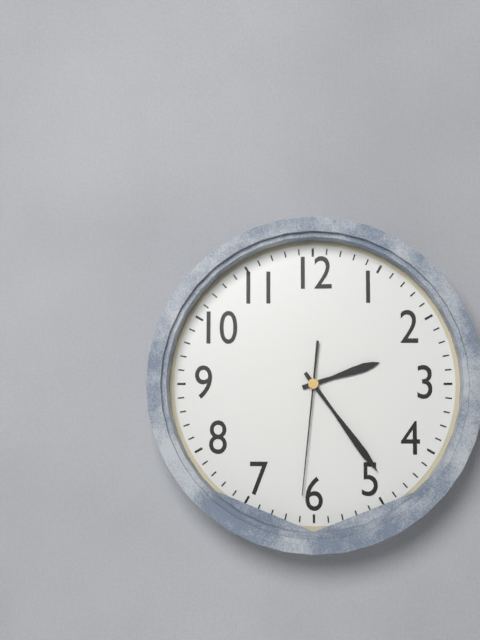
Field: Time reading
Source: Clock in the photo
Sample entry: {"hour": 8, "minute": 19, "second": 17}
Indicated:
{"hour": 2, "minute": 24, "second": 31}
